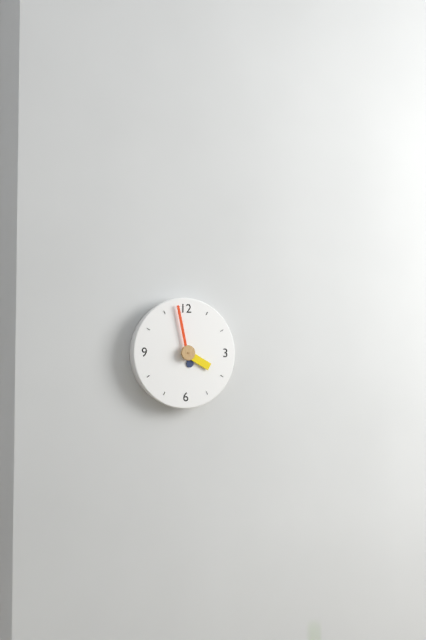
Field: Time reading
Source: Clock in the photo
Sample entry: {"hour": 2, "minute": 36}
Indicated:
{"hour": 3, "minute": 58}
